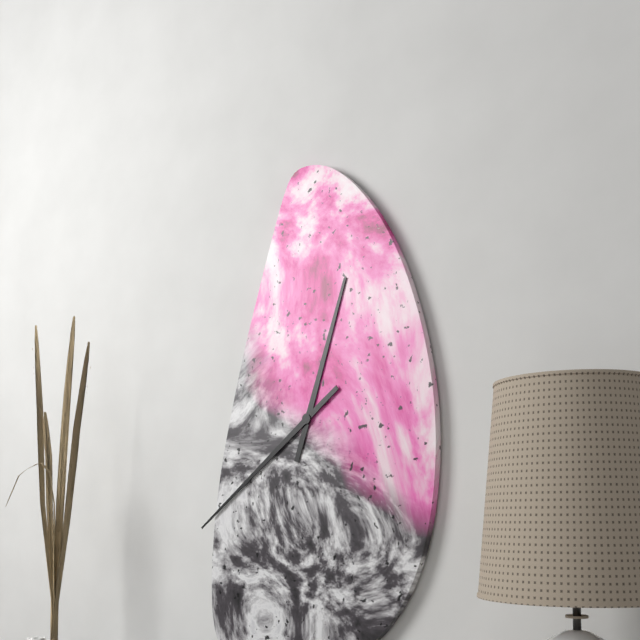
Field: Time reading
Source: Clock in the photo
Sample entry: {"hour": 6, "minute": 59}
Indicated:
{"hour": 12, "minute": 39}
